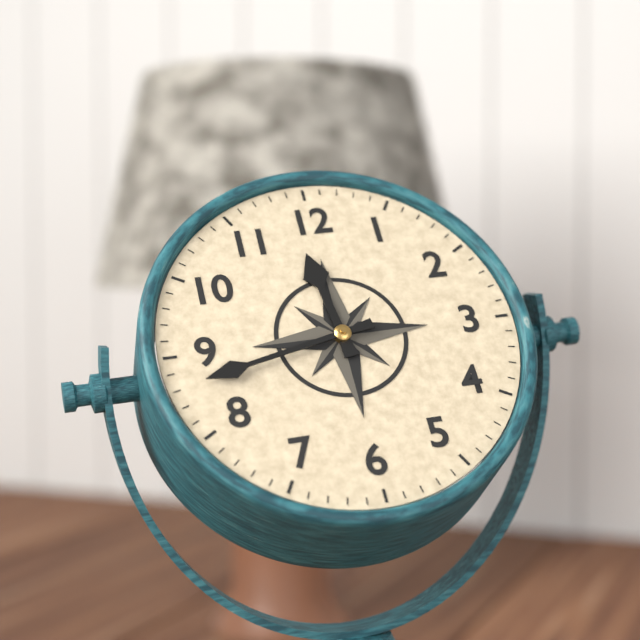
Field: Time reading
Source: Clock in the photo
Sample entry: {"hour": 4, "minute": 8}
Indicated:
{"hour": 11, "minute": 43}
